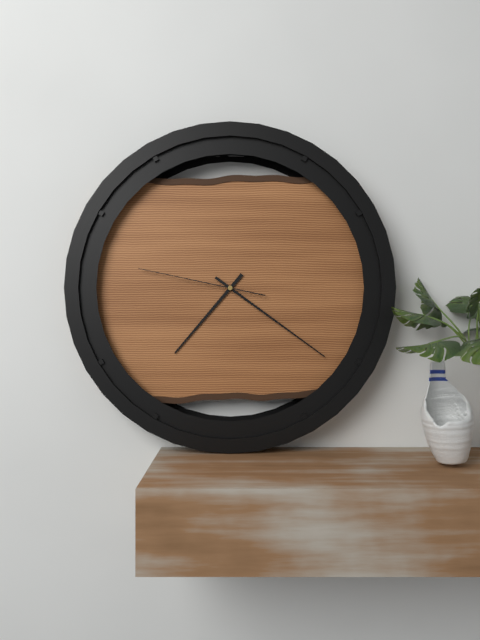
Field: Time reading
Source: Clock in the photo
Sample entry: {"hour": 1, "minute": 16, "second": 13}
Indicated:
{"hour": 7, "minute": 21, "second": 47}
